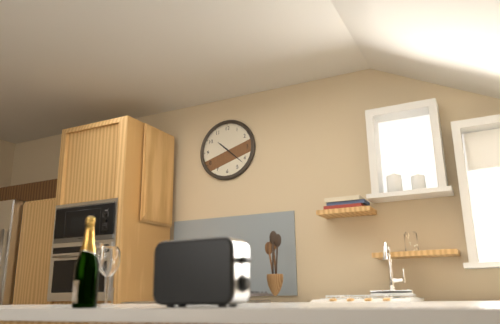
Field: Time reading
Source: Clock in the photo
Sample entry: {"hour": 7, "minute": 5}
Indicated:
{"hour": 10, "minute": 22}
